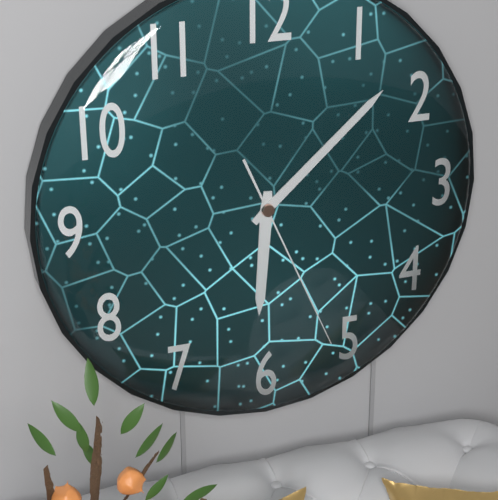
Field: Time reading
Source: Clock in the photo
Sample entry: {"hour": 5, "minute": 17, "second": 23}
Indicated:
{"hour": 6, "minute": 8, "second": 26}
